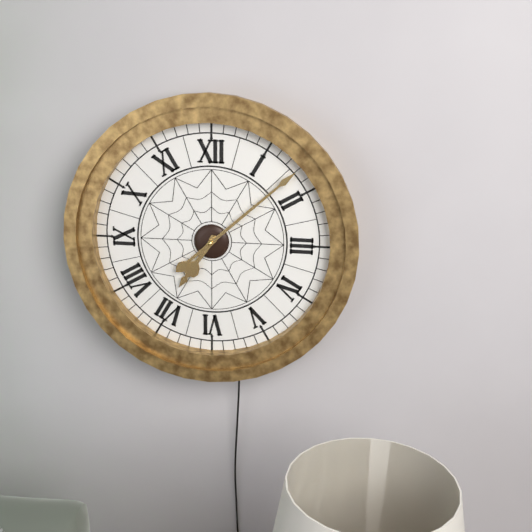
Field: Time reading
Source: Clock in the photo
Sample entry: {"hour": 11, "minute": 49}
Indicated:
{"hour": 7, "minute": 8}
